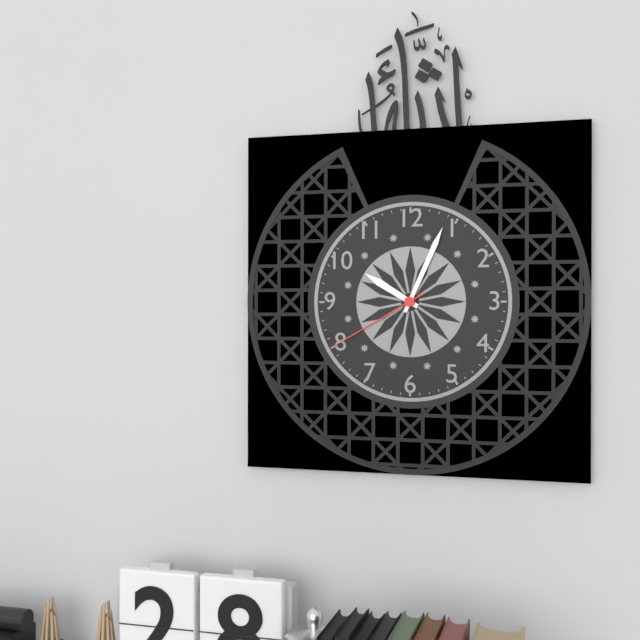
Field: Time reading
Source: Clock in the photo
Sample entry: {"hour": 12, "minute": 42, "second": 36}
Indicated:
{"hour": 10, "minute": 4, "second": 40}
